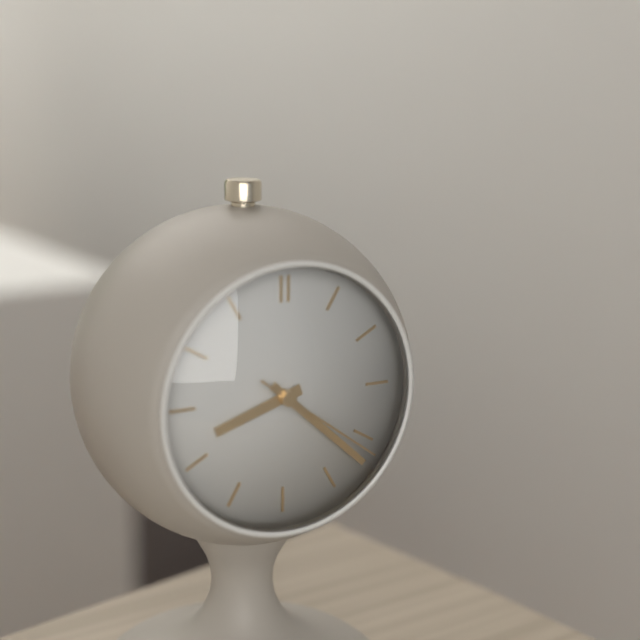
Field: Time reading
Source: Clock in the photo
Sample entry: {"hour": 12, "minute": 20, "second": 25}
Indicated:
{"hour": 8, "minute": 22, "second": 21}
